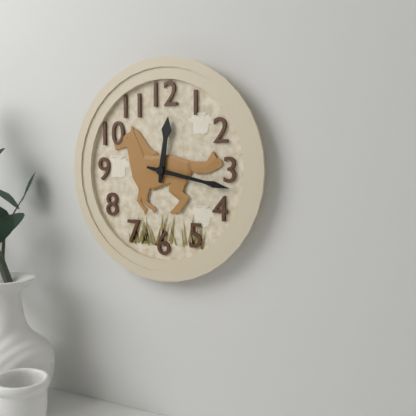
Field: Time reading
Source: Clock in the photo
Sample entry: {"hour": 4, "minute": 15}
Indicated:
{"hour": 12, "minute": 17}
